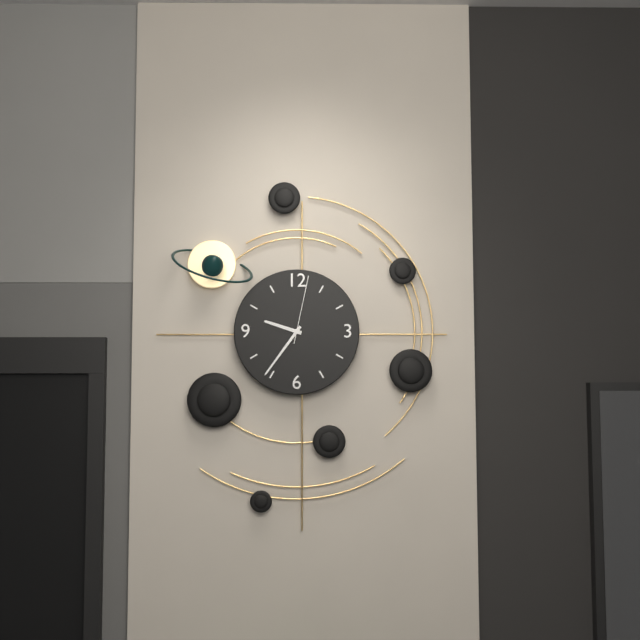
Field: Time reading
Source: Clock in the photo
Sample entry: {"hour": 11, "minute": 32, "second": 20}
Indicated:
{"hour": 9, "minute": 36, "second": 2}
